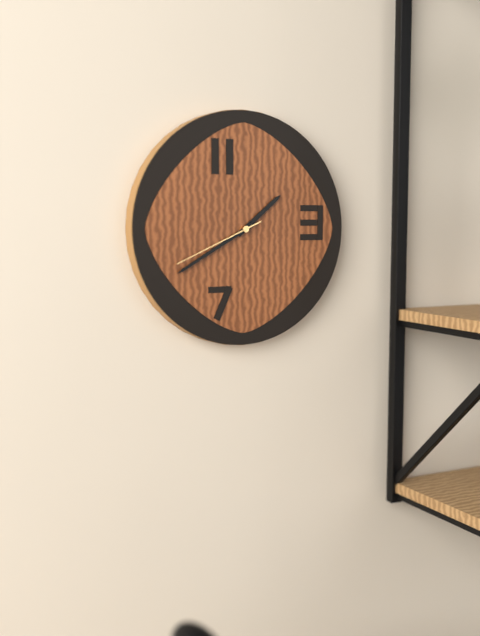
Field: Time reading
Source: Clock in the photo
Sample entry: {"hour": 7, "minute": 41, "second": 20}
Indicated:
{"hour": 1, "minute": 40, "second": 41}
